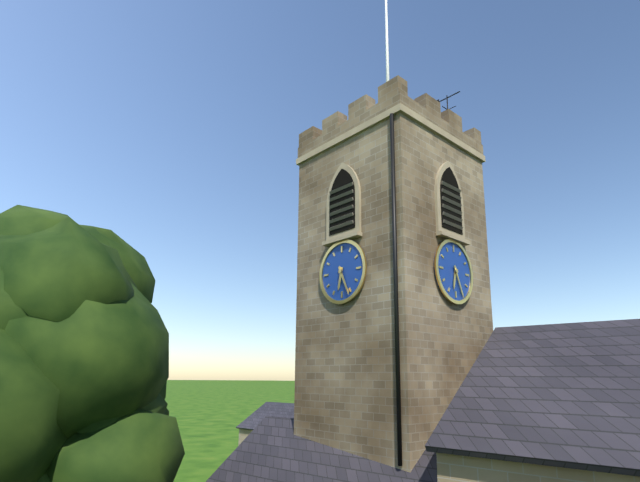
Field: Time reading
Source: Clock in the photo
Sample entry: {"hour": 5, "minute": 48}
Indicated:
{"hour": 6, "minute": 26}
